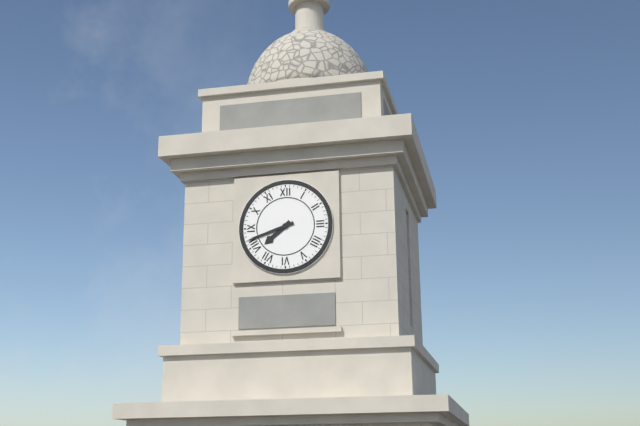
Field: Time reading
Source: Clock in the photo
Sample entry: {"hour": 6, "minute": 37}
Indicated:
{"hour": 7, "minute": 42}
